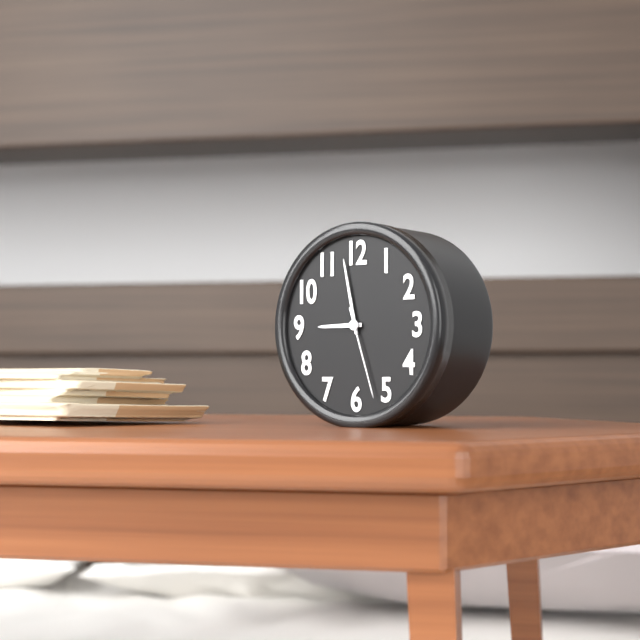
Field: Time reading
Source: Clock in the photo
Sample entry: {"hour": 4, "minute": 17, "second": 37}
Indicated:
{"hour": 8, "minute": 58, "second": 27}
